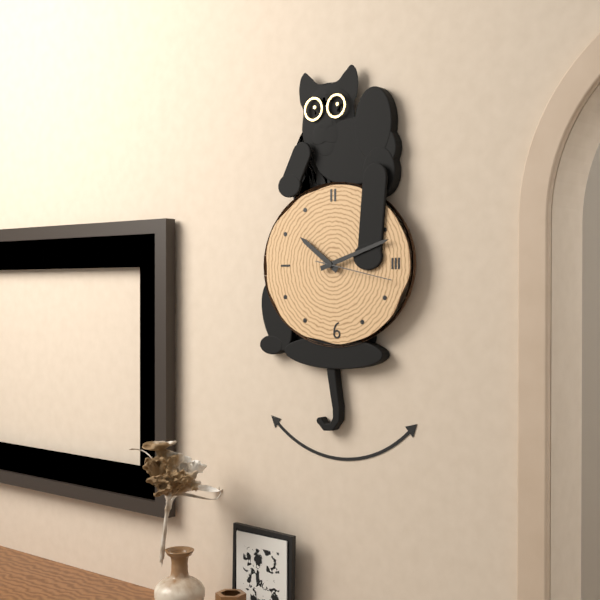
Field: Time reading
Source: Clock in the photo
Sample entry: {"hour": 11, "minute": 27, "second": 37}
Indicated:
{"hour": 10, "minute": 12, "second": 17}
